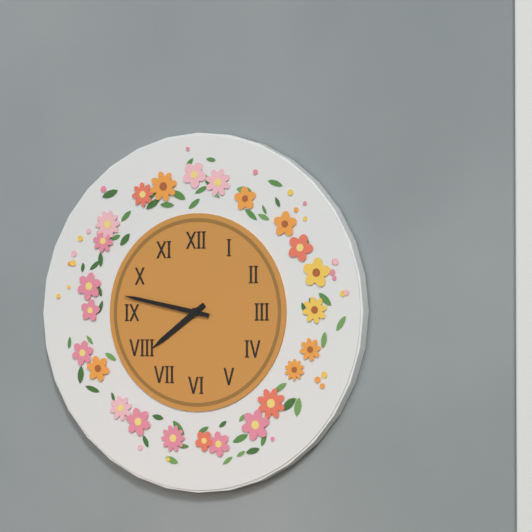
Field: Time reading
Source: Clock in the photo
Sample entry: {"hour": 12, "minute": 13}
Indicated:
{"hour": 7, "minute": 47}
